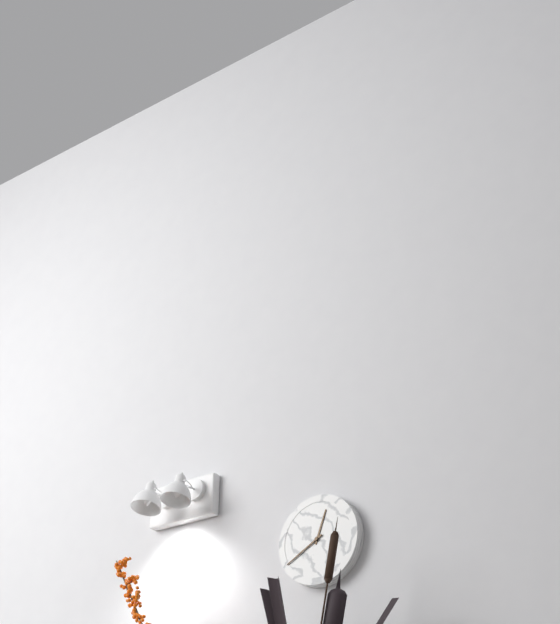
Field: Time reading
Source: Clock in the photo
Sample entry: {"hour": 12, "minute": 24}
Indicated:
{"hour": 12, "minute": 40}
